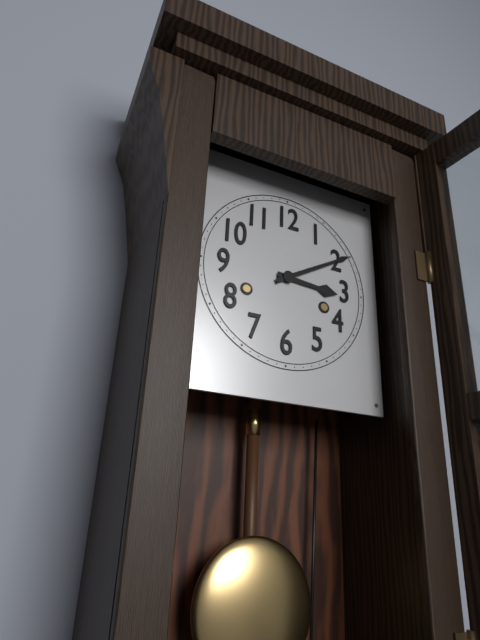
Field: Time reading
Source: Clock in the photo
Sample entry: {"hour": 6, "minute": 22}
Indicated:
{"hour": 3, "minute": 10}
